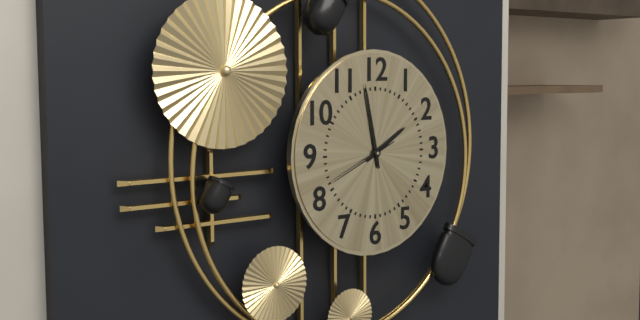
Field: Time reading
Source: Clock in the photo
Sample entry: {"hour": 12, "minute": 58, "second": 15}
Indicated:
{"hour": 1, "minute": 58, "second": 41}
